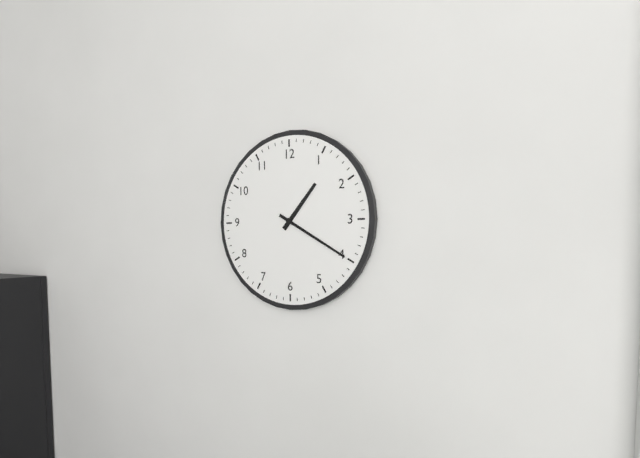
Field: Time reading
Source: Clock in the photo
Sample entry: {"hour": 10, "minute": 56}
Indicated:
{"hour": 1, "minute": 20}
